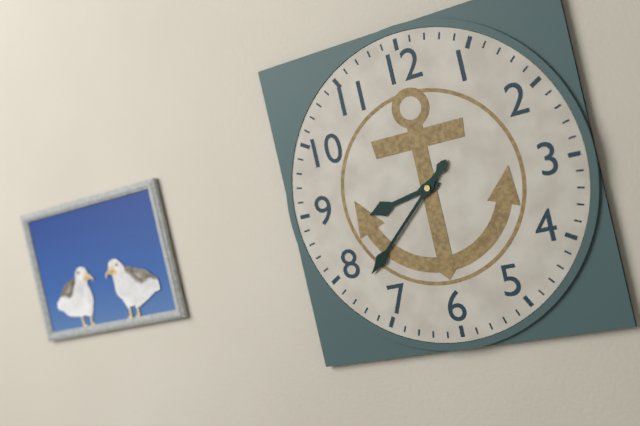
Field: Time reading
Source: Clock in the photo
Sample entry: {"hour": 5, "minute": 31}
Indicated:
{"hour": 8, "minute": 38}
